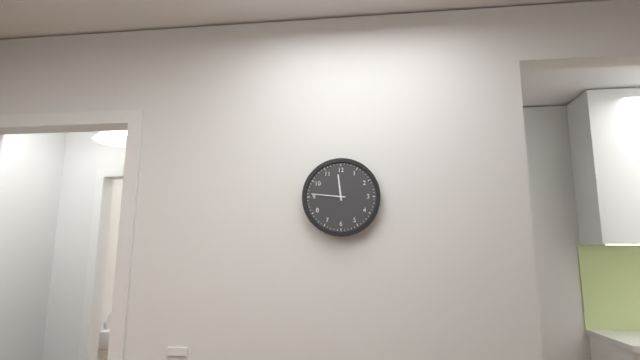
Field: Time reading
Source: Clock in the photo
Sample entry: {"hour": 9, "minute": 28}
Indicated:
{"hour": 11, "minute": 46}
